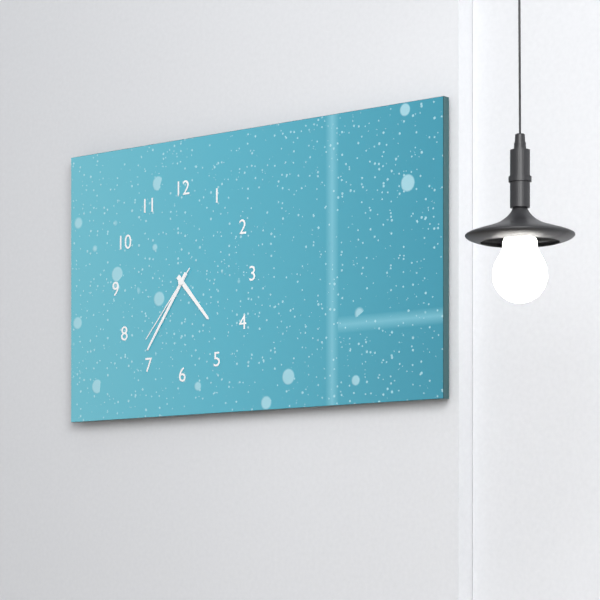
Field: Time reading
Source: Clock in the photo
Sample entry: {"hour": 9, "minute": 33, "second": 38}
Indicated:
{"hour": 4, "minute": 36, "second": 37}
